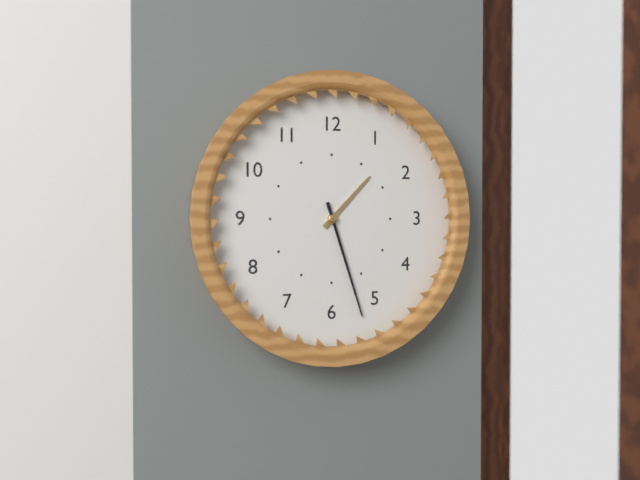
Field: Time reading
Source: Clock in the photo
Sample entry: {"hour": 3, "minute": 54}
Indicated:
{"hour": 1, "minute": 27}
